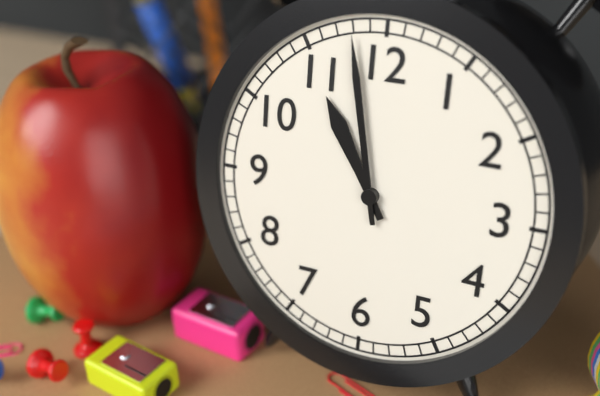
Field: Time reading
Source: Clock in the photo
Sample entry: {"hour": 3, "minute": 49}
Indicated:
{"hour": 10, "minute": 58}
